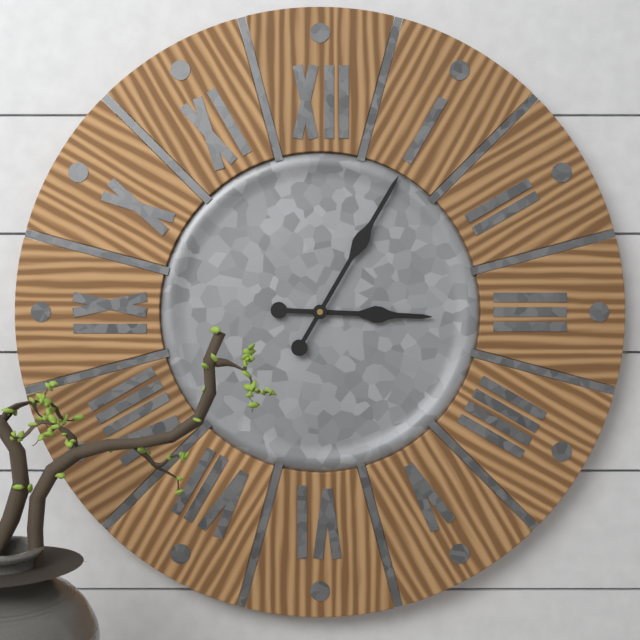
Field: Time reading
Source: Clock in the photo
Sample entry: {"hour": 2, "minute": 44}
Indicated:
{"hour": 3, "minute": 5}
